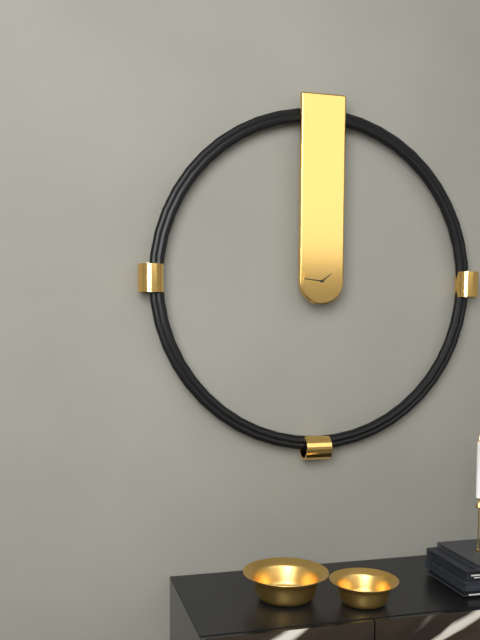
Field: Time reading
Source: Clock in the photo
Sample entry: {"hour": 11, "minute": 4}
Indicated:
{"hour": 1, "minute": 46}
